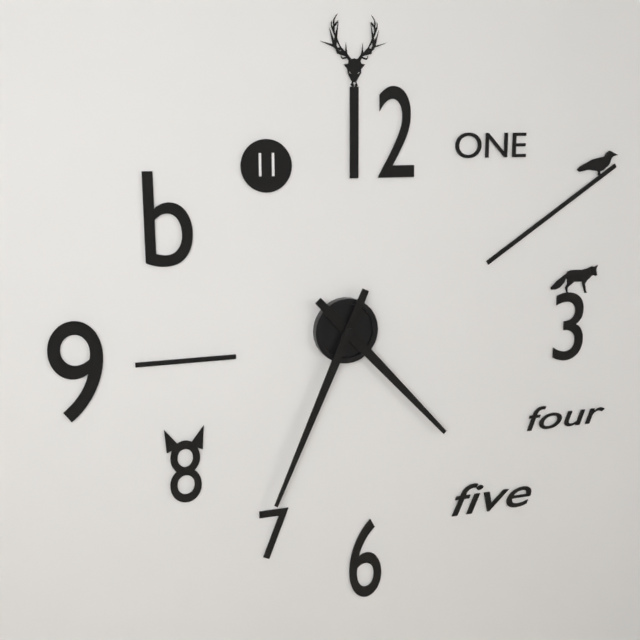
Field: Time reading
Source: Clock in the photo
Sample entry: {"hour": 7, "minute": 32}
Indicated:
{"hour": 4, "minute": 34}
